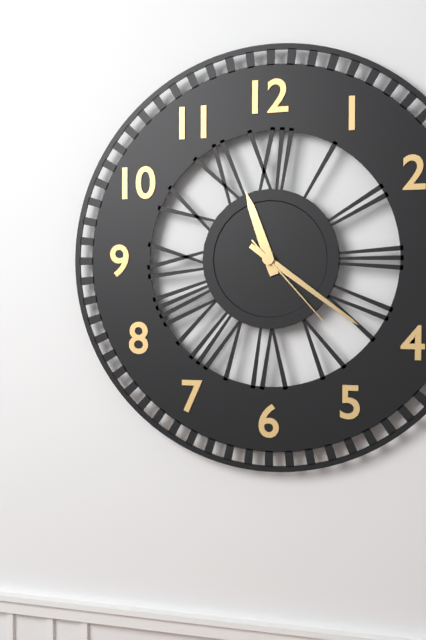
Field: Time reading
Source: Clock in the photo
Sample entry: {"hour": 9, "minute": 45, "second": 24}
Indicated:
{"hour": 11, "minute": 21, "second": 23}
